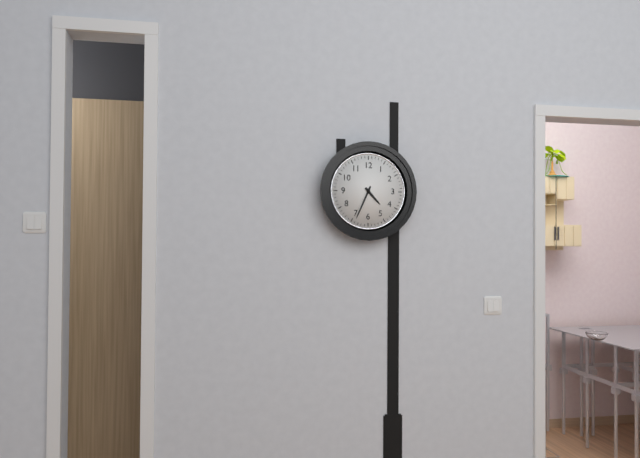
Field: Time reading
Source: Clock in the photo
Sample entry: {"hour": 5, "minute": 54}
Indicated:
{"hour": 4, "minute": 34}
